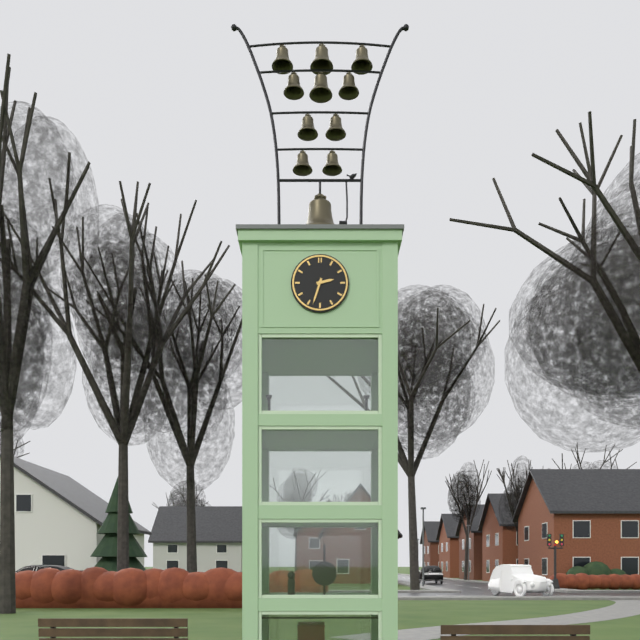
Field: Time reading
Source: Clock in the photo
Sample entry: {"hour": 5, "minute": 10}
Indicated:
{"hour": 2, "minute": 33}
